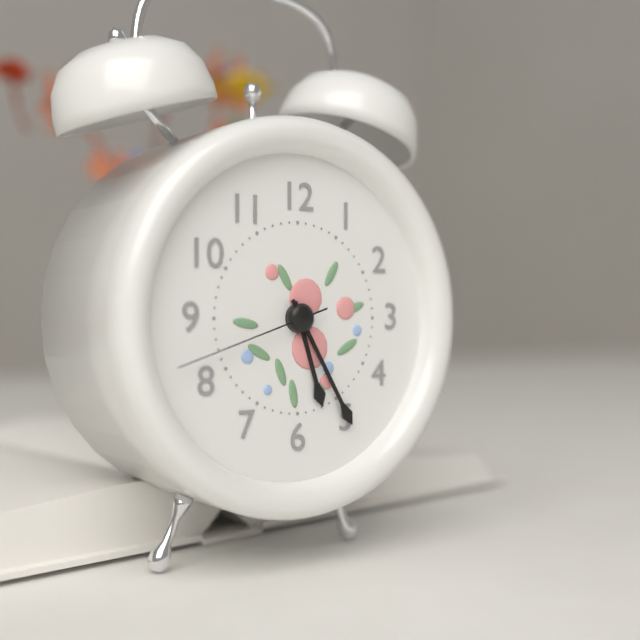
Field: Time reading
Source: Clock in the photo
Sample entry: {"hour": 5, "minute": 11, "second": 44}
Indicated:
{"hour": 5, "minute": 25, "second": 42}
